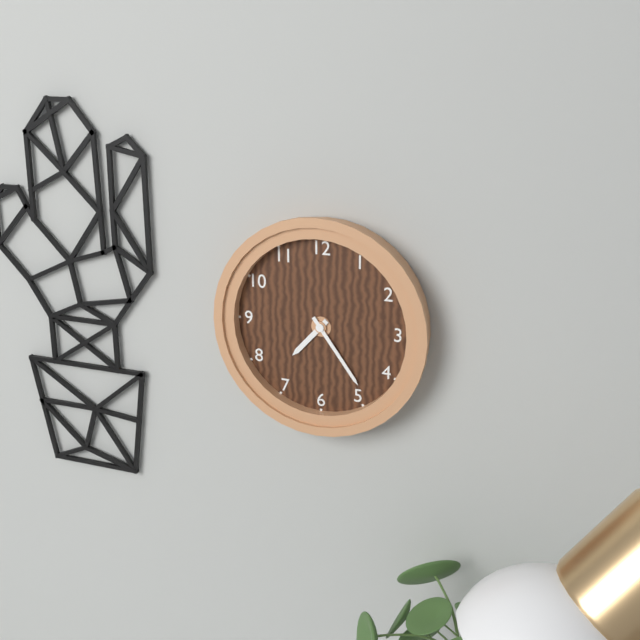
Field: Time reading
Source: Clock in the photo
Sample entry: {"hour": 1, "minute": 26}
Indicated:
{"hour": 7, "minute": 24}
